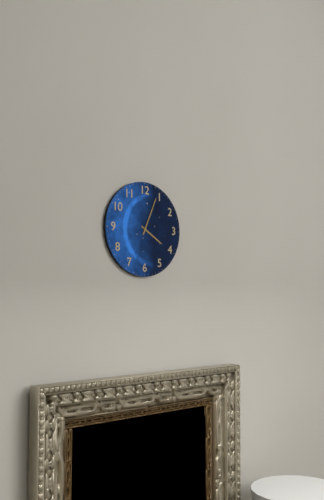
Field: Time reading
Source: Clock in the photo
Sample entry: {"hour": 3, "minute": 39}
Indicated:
{"hour": 4, "minute": 4}
